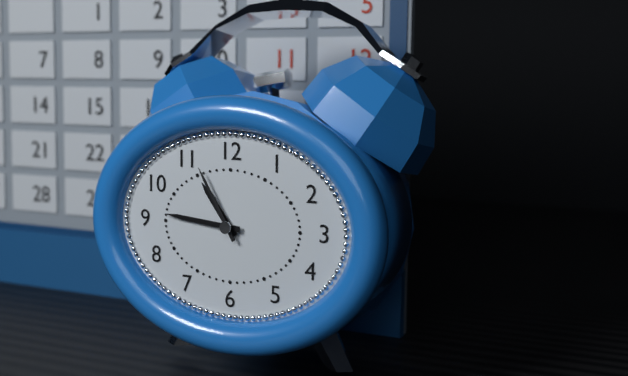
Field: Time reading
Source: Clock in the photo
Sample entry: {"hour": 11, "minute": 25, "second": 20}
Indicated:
{"hour": 10, "minute": 46, "second": 55}
